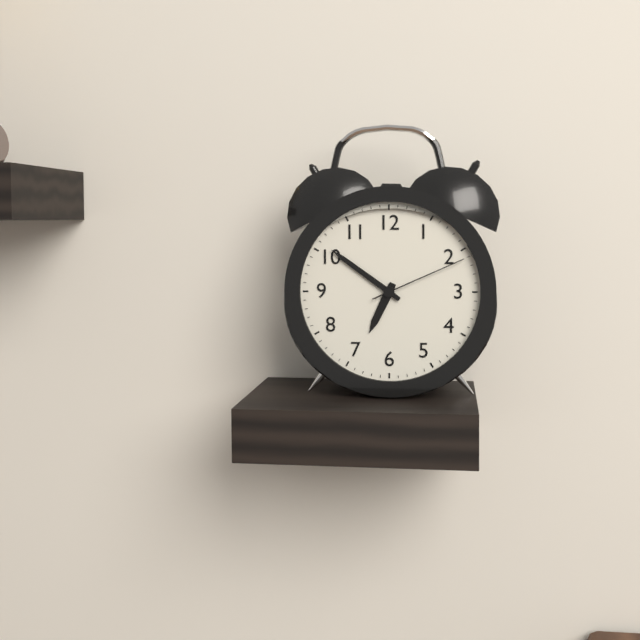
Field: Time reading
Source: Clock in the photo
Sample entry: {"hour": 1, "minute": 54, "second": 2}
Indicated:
{"hour": 6, "minute": 51, "second": 11}
